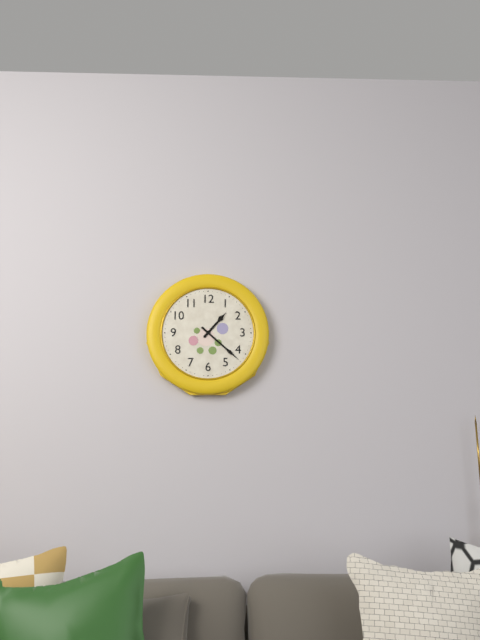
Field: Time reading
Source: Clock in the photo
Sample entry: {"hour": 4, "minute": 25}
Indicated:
{"hour": 1, "minute": 22}
